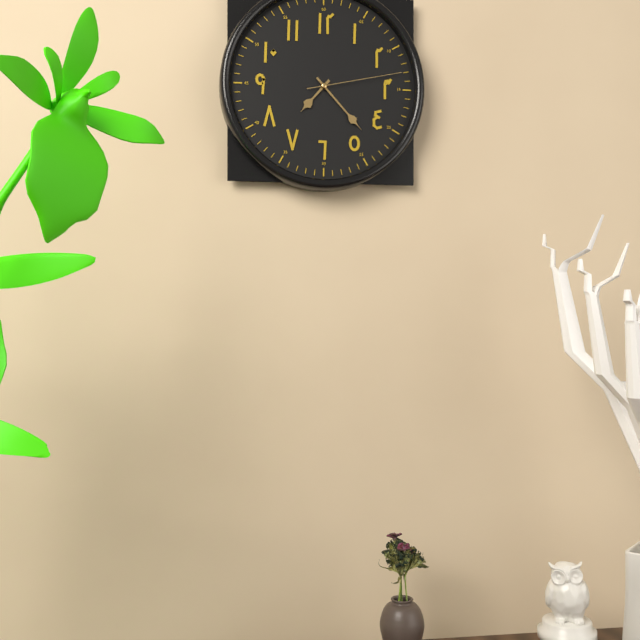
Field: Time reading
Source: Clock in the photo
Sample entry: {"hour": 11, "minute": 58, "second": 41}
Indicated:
{"hour": 7, "minute": 23, "second": 13}
